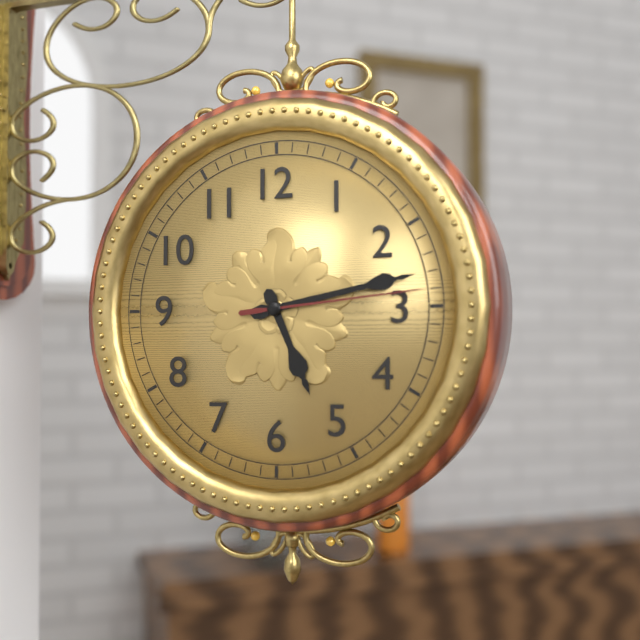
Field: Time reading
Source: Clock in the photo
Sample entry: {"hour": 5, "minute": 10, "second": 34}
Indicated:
{"hour": 5, "minute": 13, "second": 14}
